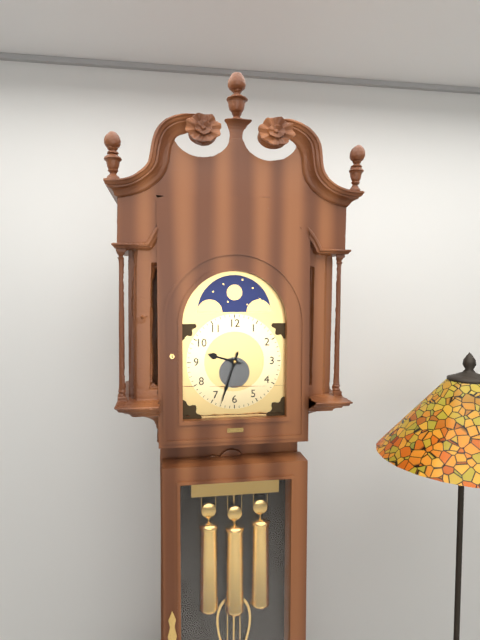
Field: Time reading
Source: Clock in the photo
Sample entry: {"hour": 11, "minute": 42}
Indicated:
{"hour": 9, "minute": 33}
